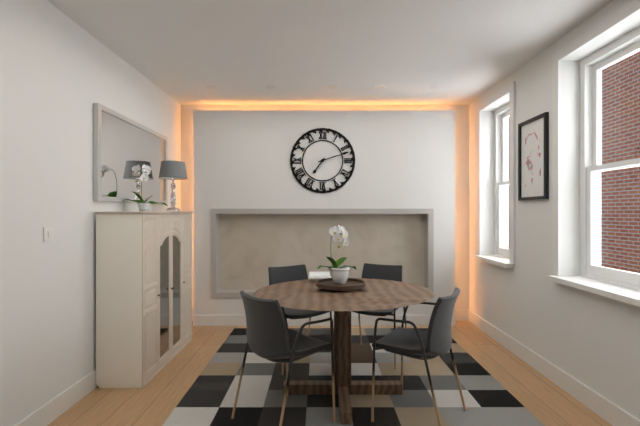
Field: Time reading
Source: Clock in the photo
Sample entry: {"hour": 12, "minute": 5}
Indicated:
{"hour": 7, "minute": 12}
